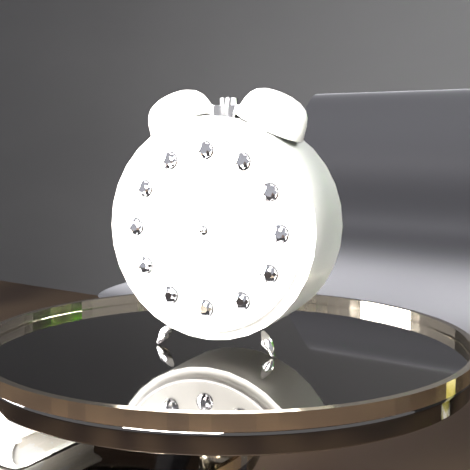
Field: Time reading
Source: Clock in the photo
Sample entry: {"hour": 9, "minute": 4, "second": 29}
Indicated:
{"hour": 5, "minute": 51, "second": 40}
